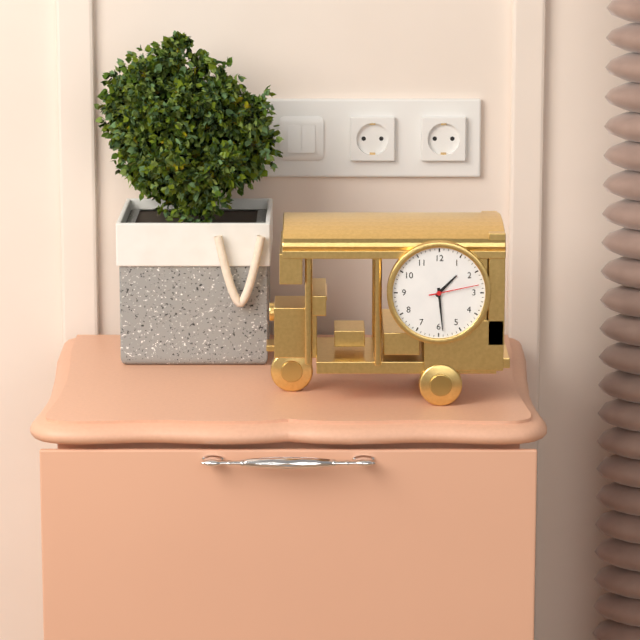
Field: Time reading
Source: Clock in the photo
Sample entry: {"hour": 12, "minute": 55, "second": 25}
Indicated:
{"hour": 1, "minute": 29, "second": 13}
